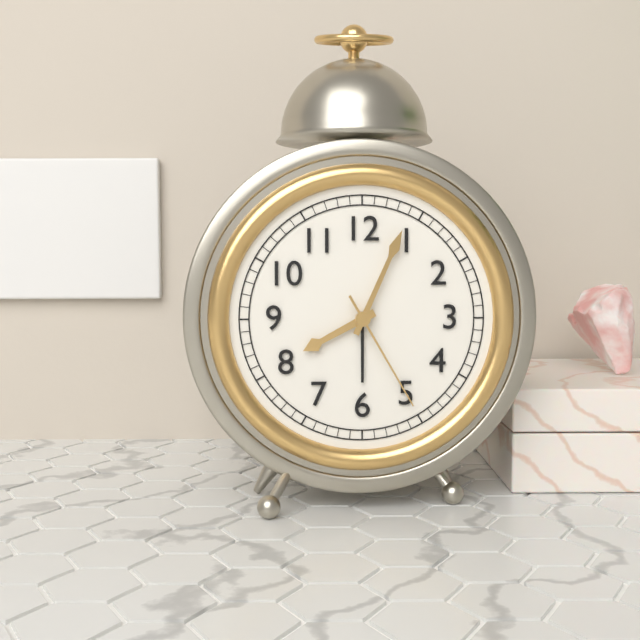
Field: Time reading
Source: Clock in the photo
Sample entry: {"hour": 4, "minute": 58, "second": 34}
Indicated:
{"hour": 8, "minute": 4, "second": 25}
